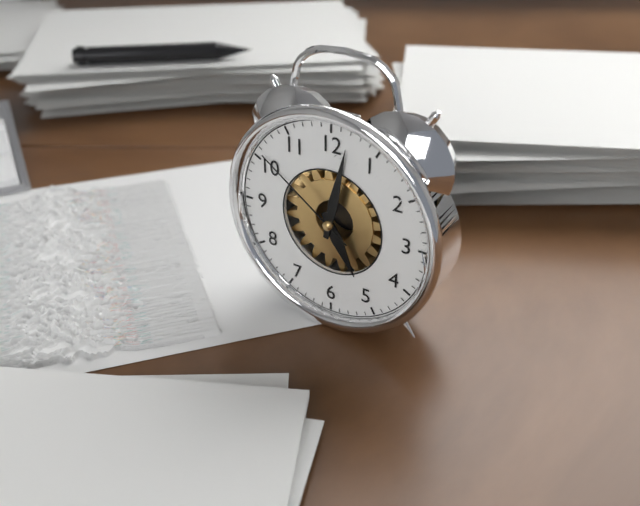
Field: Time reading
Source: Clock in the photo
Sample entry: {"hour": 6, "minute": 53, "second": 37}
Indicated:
{"hour": 5, "minute": 2, "second": 51}
